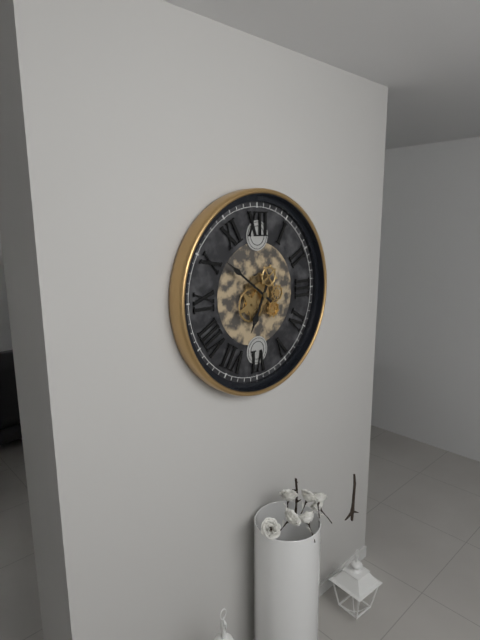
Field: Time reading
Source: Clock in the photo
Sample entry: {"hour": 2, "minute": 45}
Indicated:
{"hour": 6, "minute": 51}
